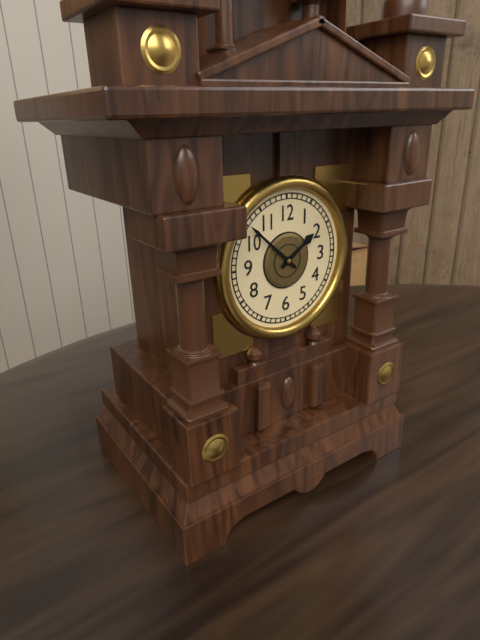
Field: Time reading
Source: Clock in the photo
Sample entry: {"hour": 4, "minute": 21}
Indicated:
{"hour": 1, "minute": 52}
